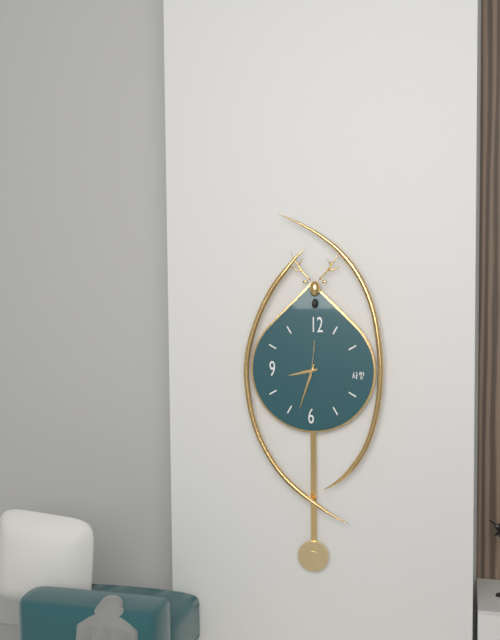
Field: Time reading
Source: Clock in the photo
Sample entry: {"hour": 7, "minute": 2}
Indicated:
{"hour": 8, "minute": 33}
